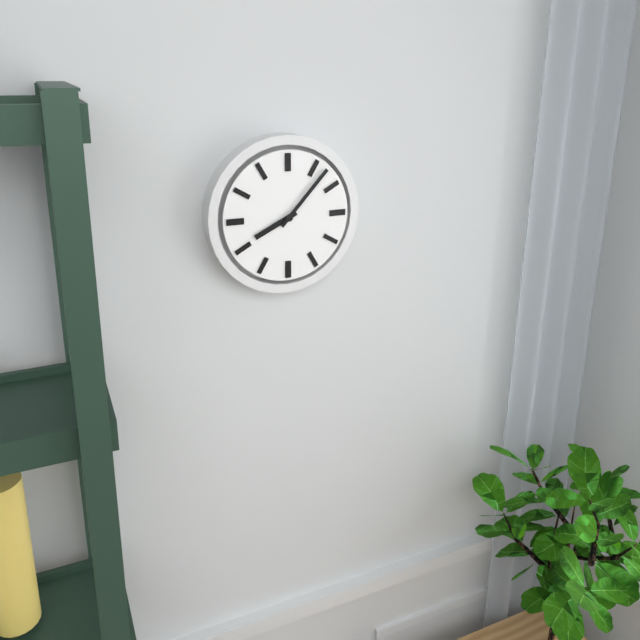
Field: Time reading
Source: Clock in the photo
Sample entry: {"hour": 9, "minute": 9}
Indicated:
{"hour": 8, "minute": 7}
